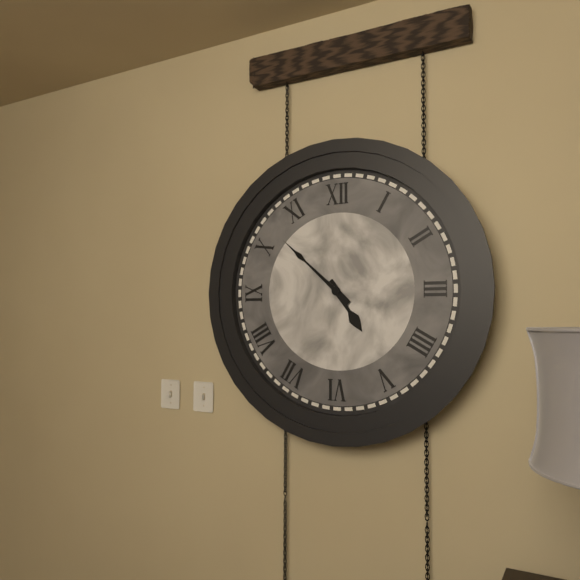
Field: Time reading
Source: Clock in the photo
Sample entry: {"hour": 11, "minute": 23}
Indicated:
{"hour": 4, "minute": 52}
